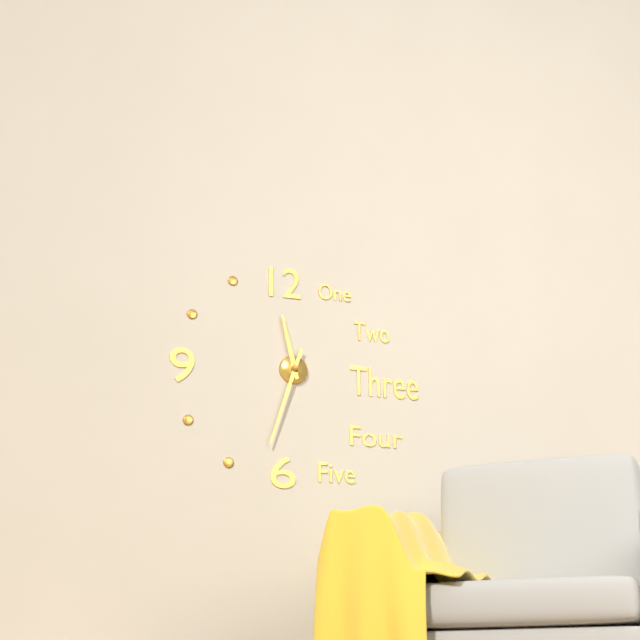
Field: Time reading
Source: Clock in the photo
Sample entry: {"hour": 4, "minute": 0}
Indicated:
{"hour": 11, "minute": 33}
